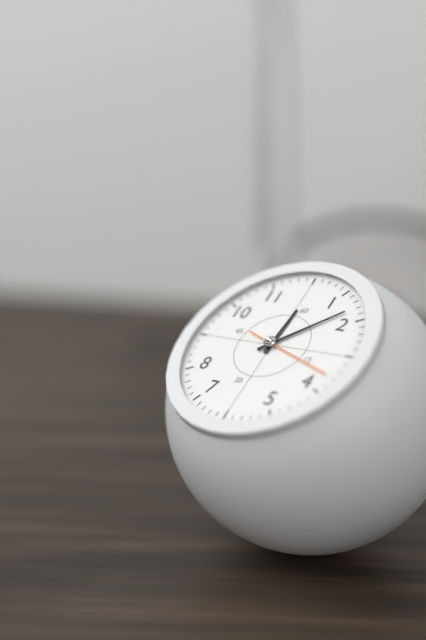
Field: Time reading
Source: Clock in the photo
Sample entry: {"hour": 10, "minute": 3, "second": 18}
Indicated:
{"hour": 12, "minute": 8, "second": 18}
